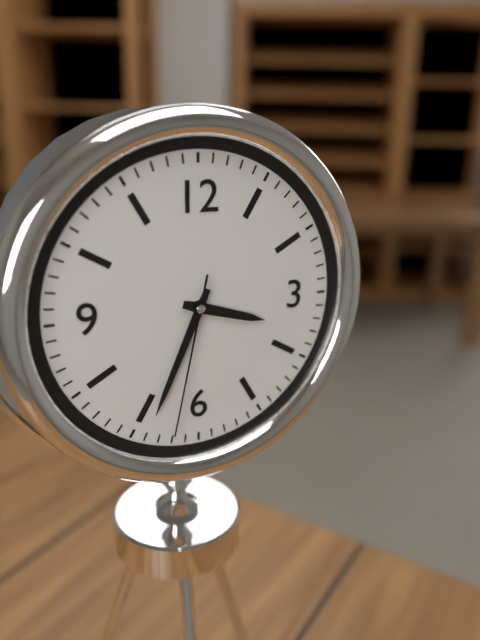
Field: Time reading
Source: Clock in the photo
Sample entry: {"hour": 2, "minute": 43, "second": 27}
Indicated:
{"hour": 3, "minute": 34, "second": 32}
